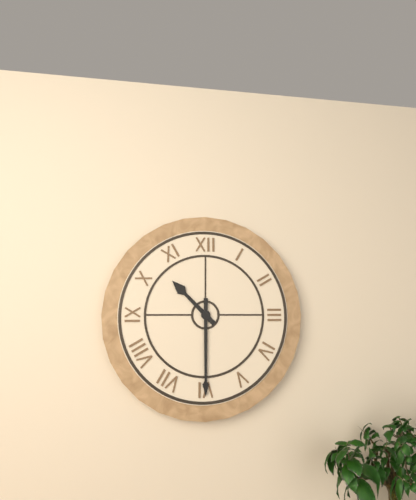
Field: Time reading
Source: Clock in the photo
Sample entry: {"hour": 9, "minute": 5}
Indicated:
{"hour": 10, "minute": 30}
